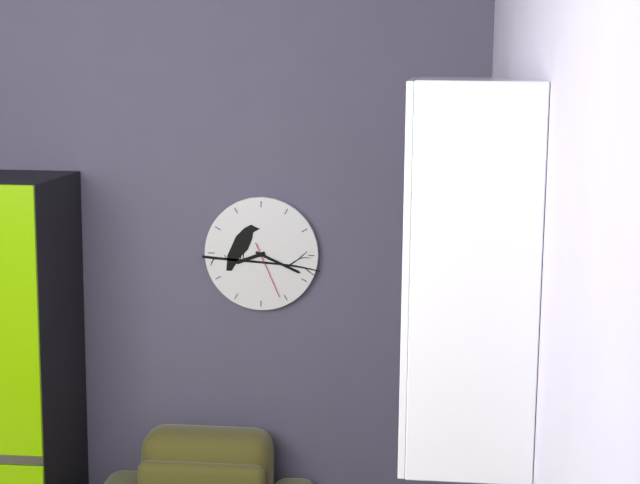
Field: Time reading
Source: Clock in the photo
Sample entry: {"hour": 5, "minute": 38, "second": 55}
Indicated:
{"hour": 8, "minute": 19, "second": 26}
